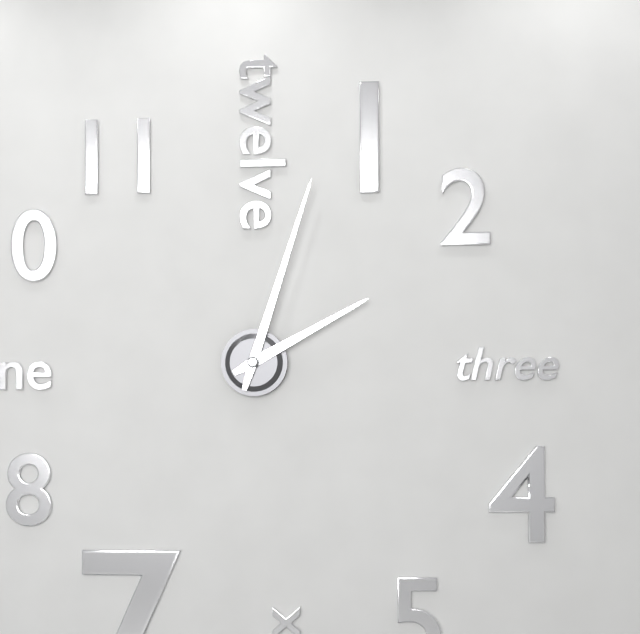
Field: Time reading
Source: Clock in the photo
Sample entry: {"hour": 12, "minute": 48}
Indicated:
{"hour": 2, "minute": 3}
